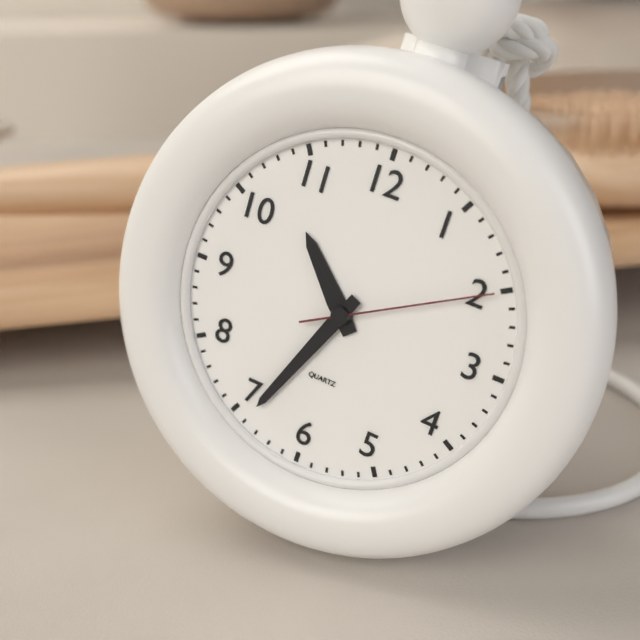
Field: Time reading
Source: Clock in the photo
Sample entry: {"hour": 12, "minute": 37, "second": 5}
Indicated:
{"hour": 10, "minute": 34, "second": 10}
